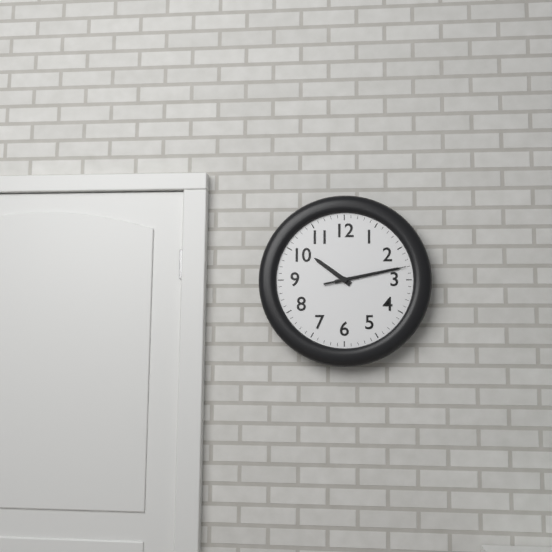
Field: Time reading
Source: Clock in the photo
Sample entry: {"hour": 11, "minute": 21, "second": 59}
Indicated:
{"hour": 10, "minute": 13, "second": 13}
